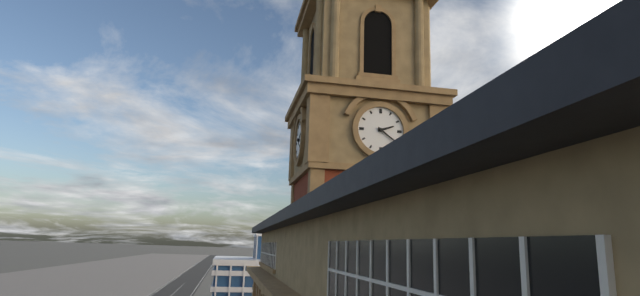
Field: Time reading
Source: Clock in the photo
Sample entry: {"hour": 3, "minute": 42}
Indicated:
{"hour": 2, "minute": 21}
